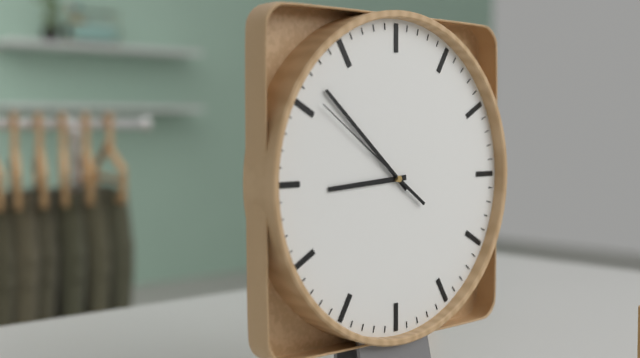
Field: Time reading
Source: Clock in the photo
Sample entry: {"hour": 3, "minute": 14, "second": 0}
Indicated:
{"hour": 8, "minute": 52, "second": 51}
